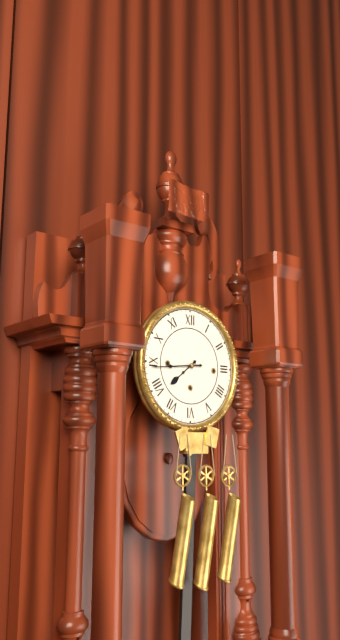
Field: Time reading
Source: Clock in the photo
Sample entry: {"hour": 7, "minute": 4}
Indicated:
{"hour": 7, "minute": 44}
